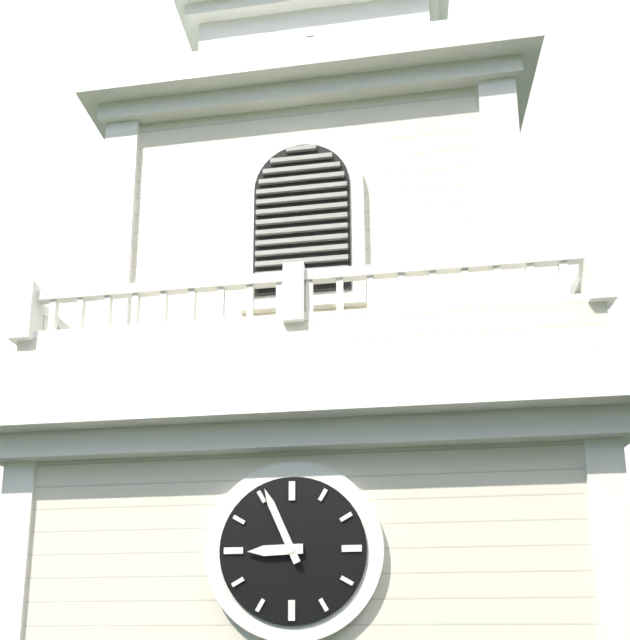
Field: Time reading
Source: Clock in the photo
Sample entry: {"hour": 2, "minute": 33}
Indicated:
{"hour": 8, "minute": 56}
